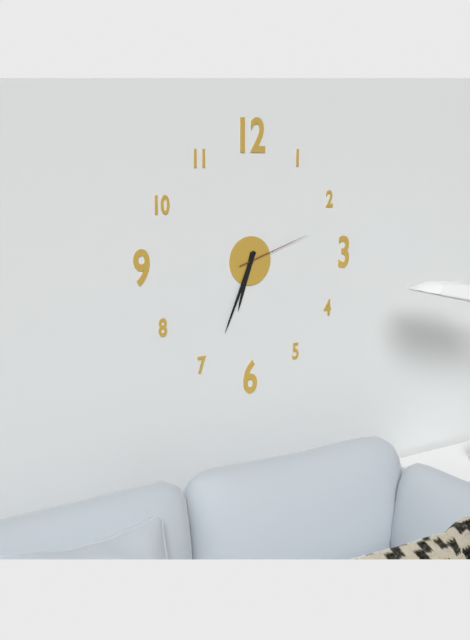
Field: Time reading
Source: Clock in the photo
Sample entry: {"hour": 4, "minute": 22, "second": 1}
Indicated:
{"hour": 6, "minute": 34, "second": 12}
